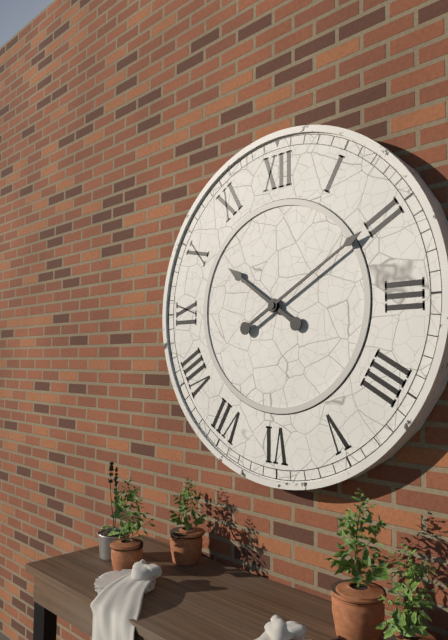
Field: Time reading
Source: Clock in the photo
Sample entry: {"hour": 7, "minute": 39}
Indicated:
{"hour": 10, "minute": 10}
